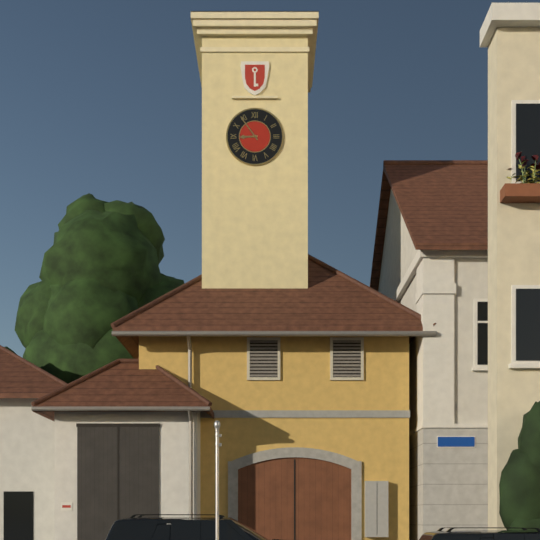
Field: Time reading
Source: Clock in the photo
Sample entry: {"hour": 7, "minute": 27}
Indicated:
{"hour": 8, "minute": 54}
